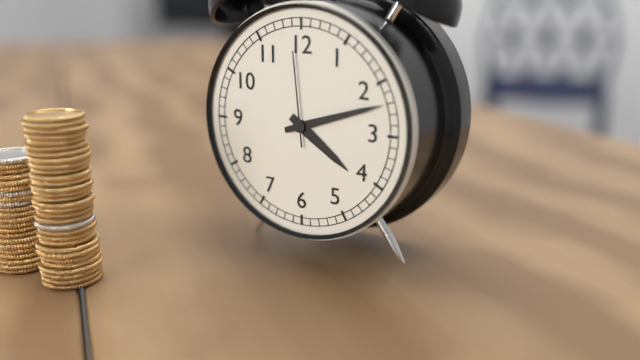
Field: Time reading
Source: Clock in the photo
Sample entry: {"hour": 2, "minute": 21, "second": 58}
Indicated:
{"hour": 4, "minute": 12, "second": 59}
